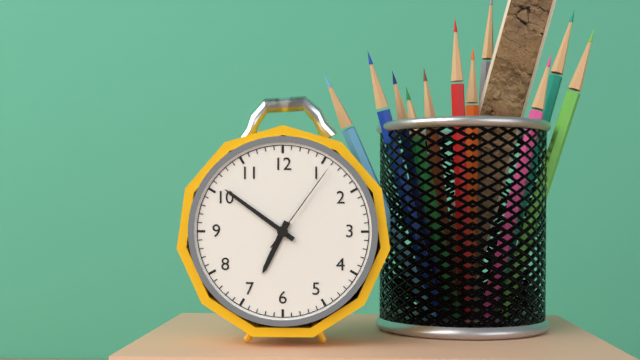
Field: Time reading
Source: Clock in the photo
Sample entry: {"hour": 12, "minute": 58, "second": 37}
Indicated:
{"hour": 6, "minute": 51, "second": 6}
